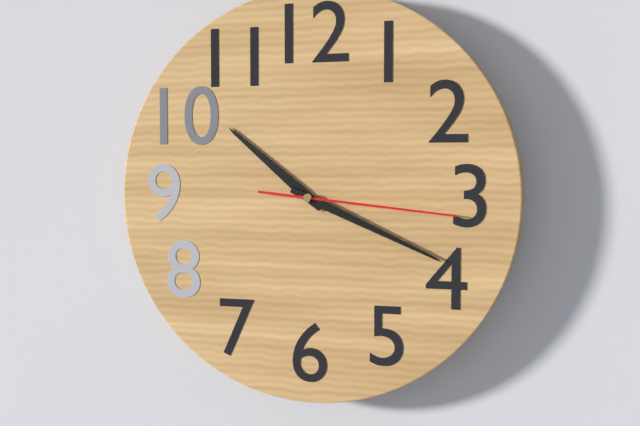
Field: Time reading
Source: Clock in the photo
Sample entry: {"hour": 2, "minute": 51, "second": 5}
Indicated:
{"hour": 10, "minute": 19, "second": 16}
